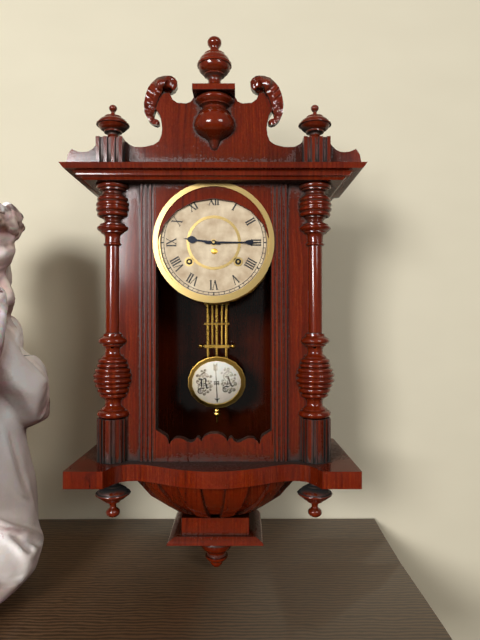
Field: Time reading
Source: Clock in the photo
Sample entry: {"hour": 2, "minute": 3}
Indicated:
{"hour": 9, "minute": 15}
